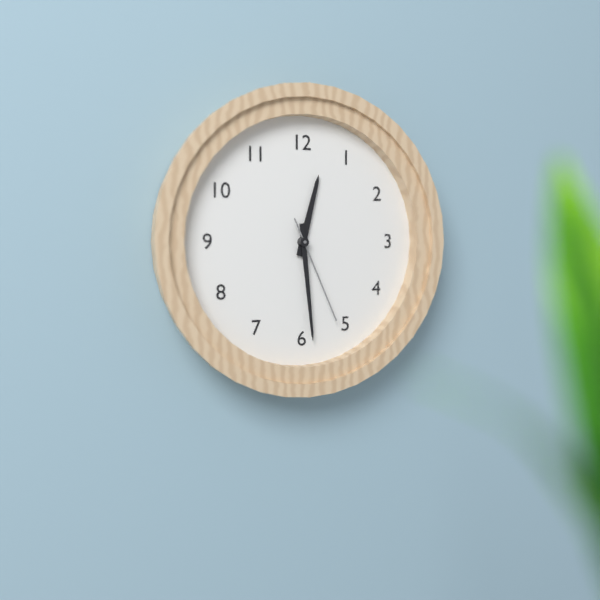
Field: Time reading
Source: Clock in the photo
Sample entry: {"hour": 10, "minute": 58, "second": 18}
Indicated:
{"hour": 12, "minute": 29, "second": 26}
